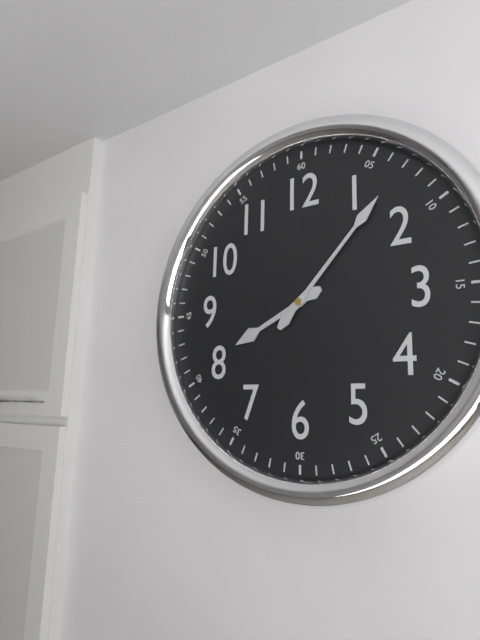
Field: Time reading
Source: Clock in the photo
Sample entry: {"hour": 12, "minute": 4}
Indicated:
{"hour": 8, "minute": 7}
